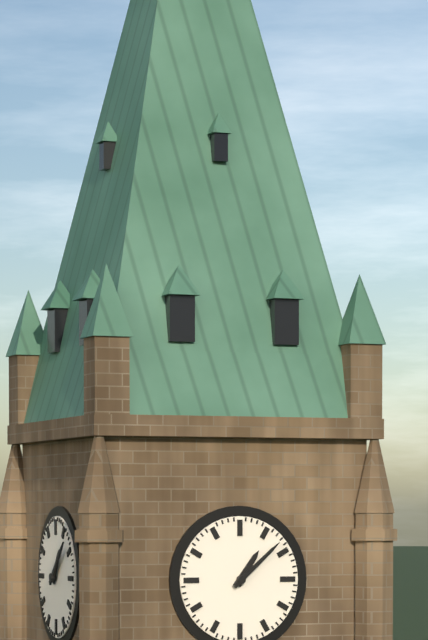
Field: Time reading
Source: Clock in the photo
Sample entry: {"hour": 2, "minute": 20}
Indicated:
{"hour": 1, "minute": 8}
